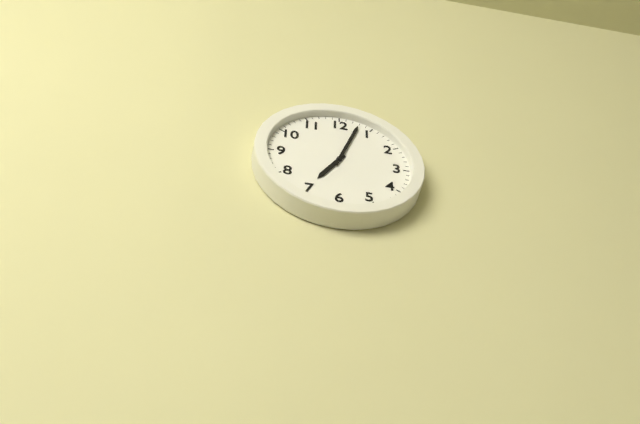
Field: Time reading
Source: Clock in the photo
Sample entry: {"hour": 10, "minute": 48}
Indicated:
{"hour": 7, "minute": 3}
